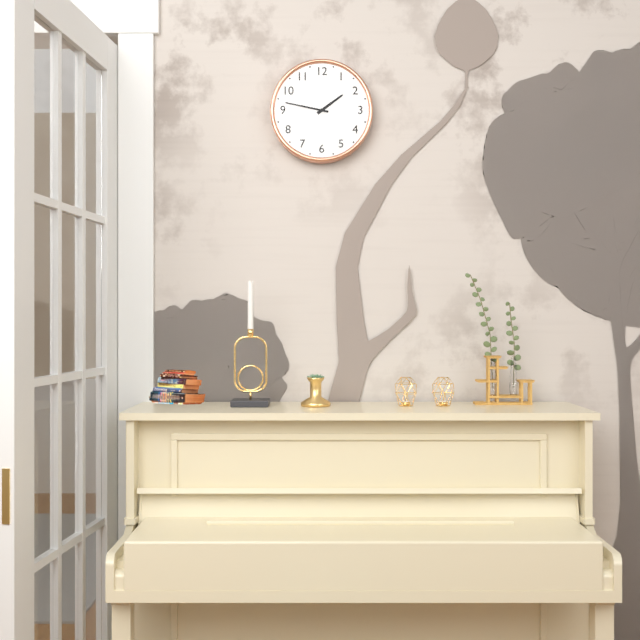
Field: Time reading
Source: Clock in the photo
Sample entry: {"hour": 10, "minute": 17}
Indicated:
{"hour": 1, "minute": 47}
